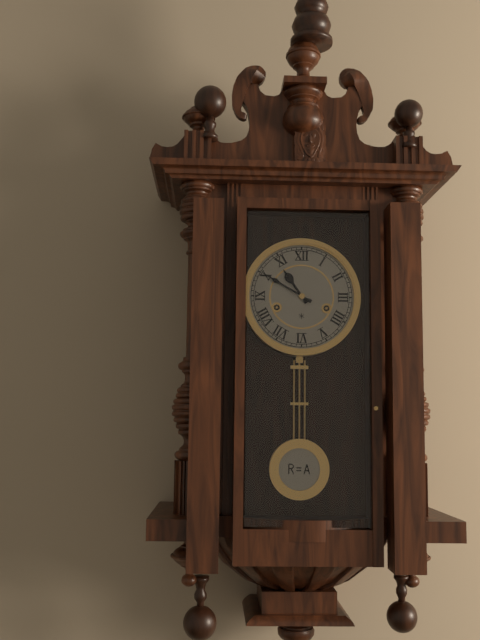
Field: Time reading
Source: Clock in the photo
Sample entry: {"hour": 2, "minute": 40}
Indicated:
{"hour": 10, "minute": 50}
